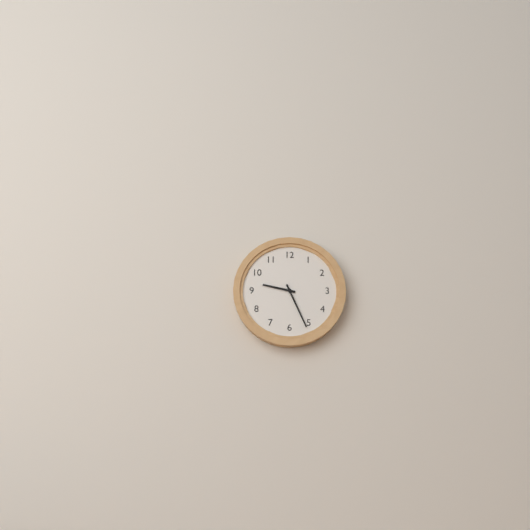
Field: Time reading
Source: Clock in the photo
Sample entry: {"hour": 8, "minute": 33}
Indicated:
{"hour": 9, "minute": 26}
